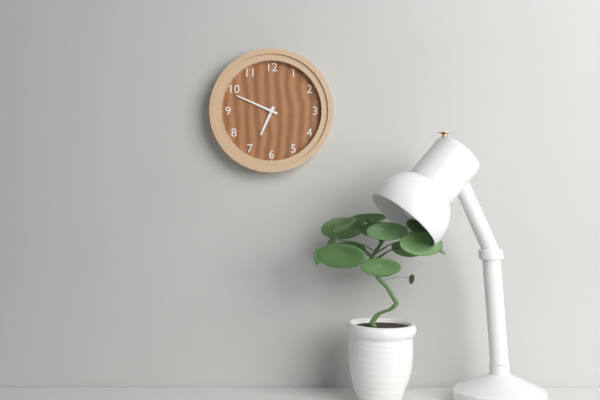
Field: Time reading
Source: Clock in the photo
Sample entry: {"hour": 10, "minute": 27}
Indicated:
{"hour": 6, "minute": 49}
